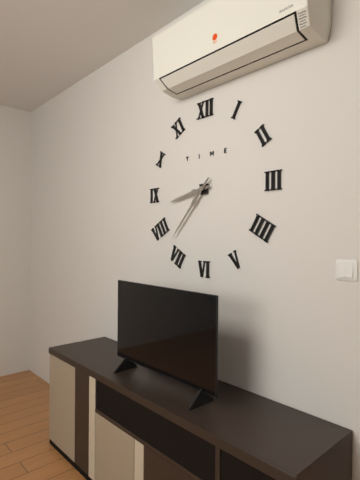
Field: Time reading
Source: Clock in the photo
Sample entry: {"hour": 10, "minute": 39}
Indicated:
{"hour": 8, "minute": 37}
